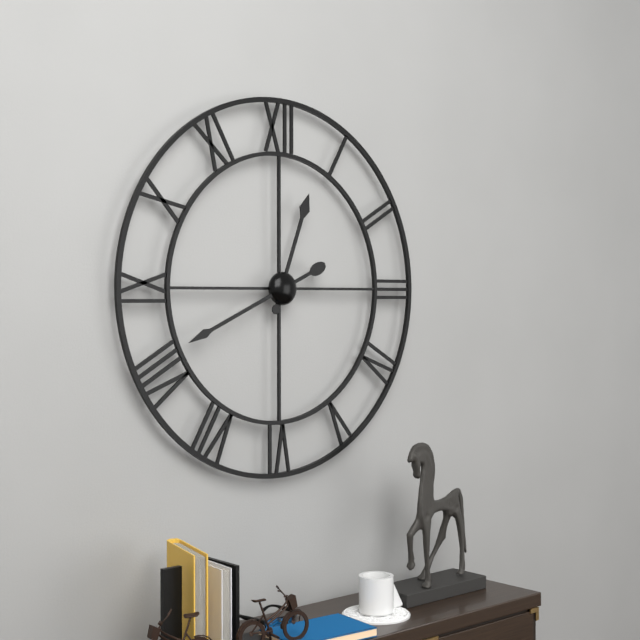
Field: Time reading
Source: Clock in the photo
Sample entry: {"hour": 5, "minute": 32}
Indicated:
{"hour": 12, "minute": 41}
